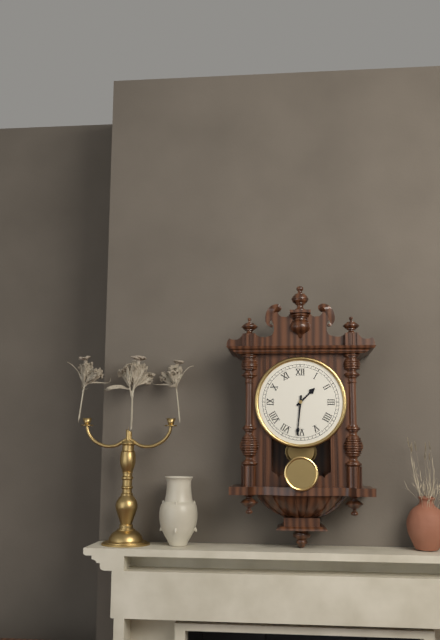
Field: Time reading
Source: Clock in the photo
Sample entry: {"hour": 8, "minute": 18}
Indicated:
{"hour": 1, "minute": 31}
